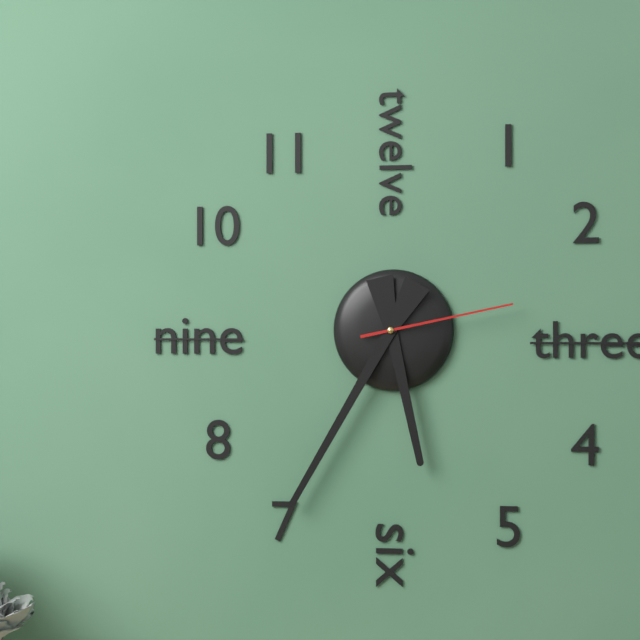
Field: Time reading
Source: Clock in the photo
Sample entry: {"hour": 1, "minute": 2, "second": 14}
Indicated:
{"hour": 5, "minute": 35, "second": 13}
